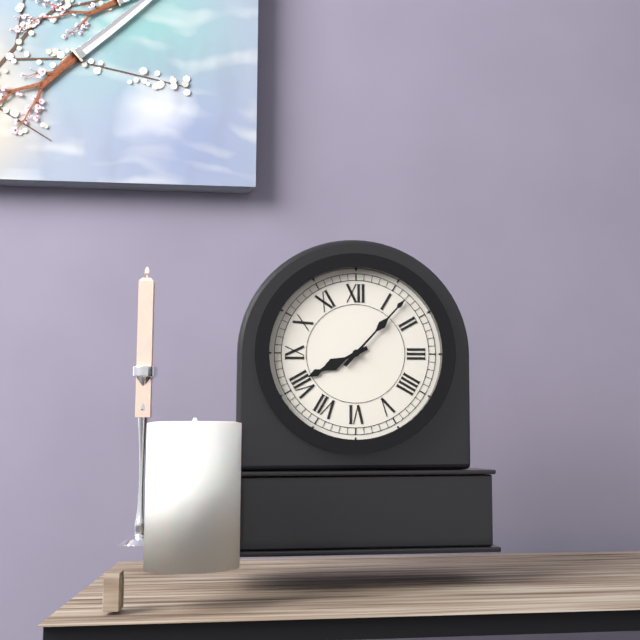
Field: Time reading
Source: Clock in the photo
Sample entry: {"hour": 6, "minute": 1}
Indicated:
{"hour": 8, "minute": 7}
